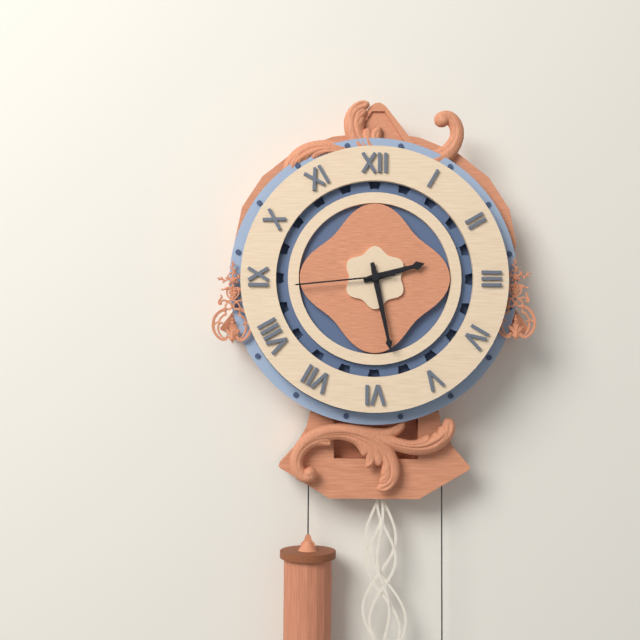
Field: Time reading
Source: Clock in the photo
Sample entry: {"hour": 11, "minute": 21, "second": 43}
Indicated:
{"hour": 2, "minute": 28, "second": 44}
